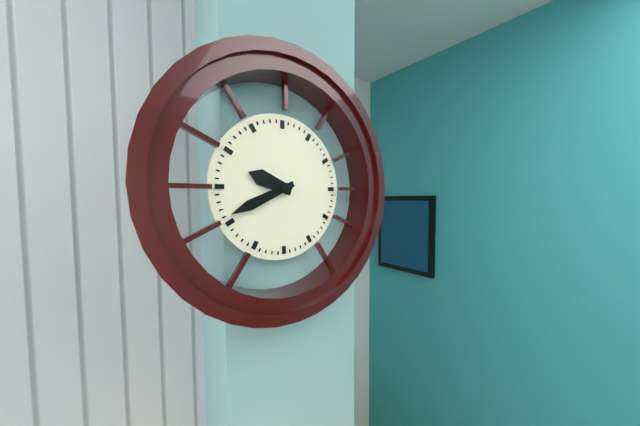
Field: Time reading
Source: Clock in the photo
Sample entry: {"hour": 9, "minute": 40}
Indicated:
{"hour": 9, "minute": 41}
